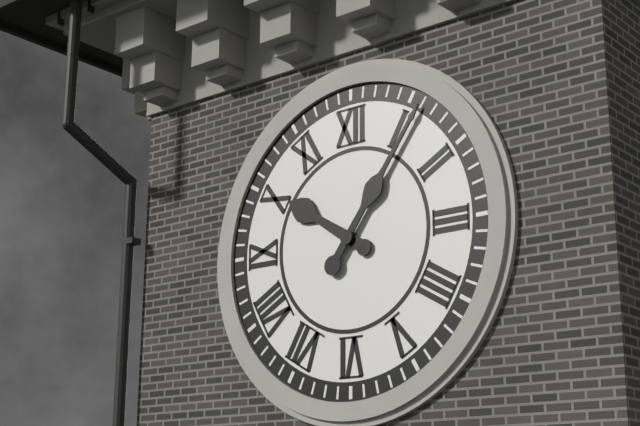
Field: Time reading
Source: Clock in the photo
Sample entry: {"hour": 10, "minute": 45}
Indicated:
{"hour": 10, "minute": 6}
